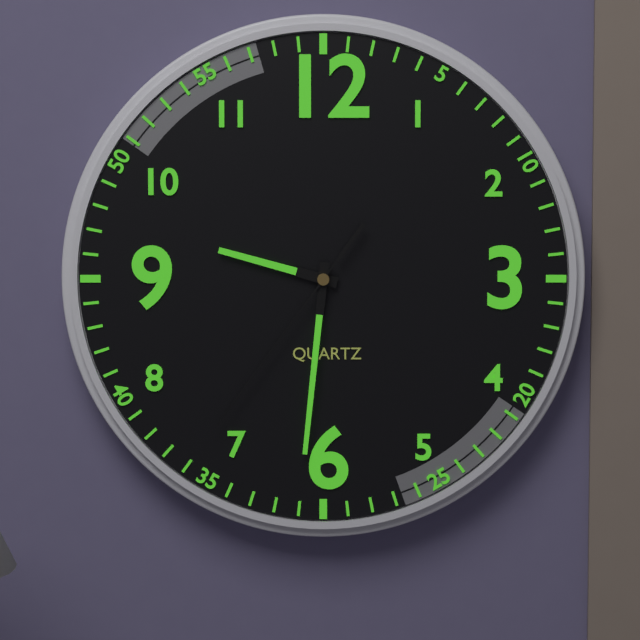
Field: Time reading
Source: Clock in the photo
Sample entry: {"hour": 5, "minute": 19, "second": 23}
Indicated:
{"hour": 9, "minute": 31, "second": 36}
